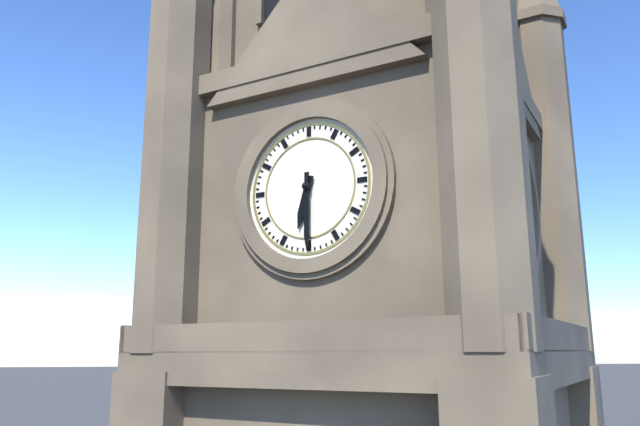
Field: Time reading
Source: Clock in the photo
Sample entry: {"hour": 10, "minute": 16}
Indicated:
{"hour": 6, "minute": 30}
